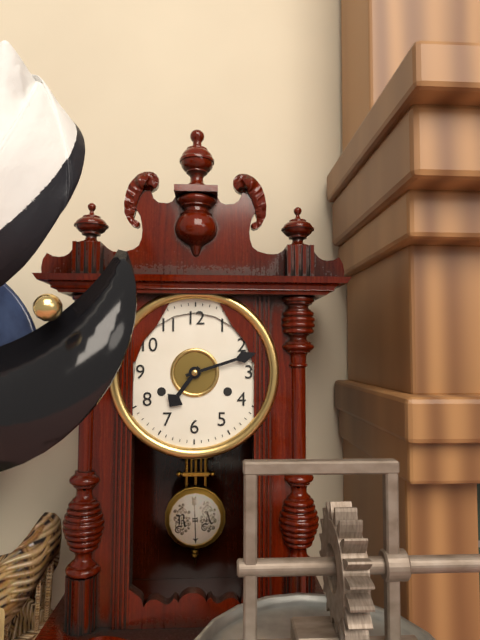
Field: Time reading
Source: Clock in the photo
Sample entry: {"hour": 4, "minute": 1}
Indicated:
{"hour": 7, "minute": 12}
